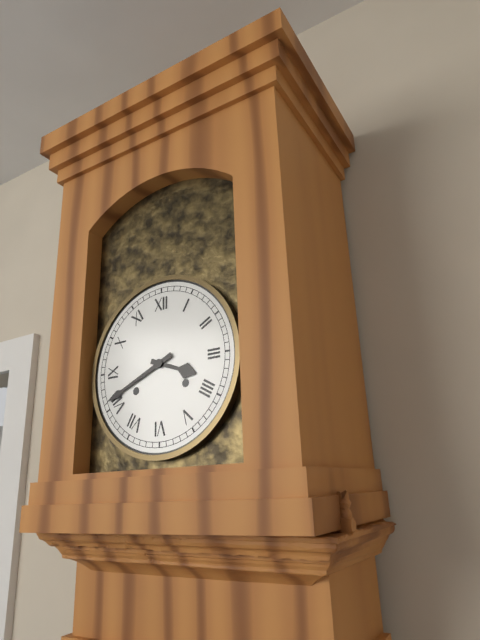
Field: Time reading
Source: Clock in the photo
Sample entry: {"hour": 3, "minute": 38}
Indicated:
{"hour": 3, "minute": 41}
